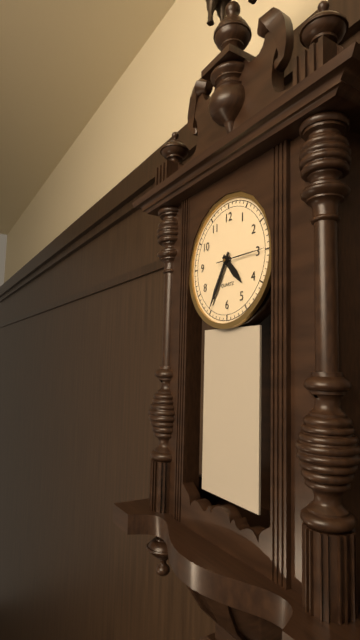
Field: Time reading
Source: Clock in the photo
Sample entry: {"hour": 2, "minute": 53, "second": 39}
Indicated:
{"hour": 4, "minute": 35, "second": 15}
